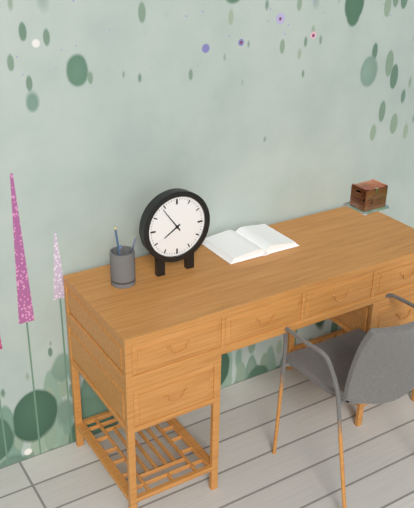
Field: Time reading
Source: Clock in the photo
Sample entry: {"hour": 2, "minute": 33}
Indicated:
{"hour": 7, "minute": 54}
